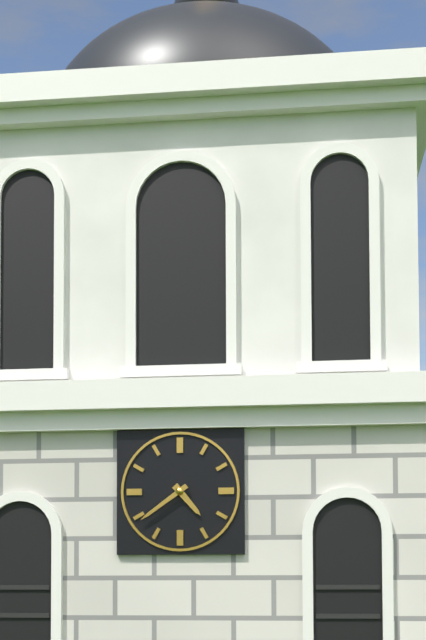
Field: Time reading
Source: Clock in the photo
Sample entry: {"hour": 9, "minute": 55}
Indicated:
{"hour": 4, "minute": 39}
